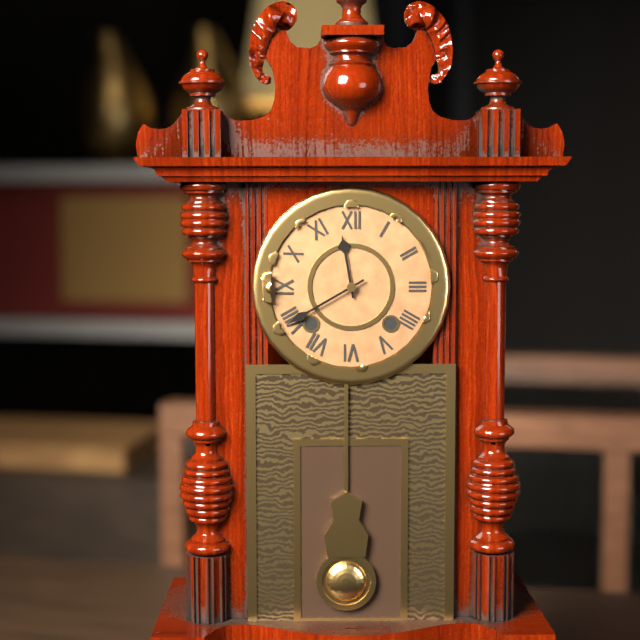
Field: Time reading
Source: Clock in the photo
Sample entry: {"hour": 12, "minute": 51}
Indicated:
{"hour": 11, "minute": 40}
